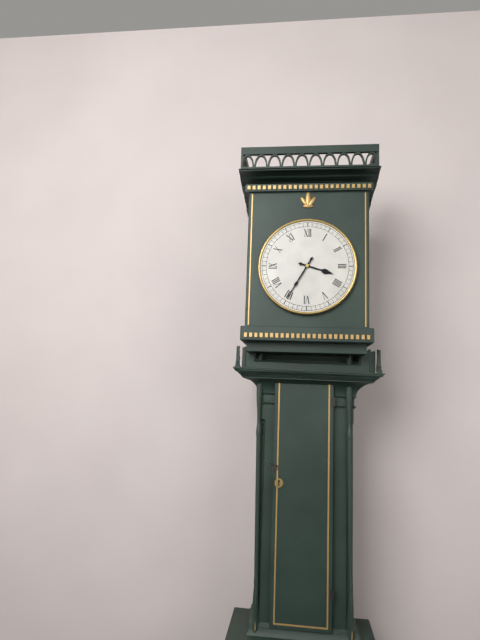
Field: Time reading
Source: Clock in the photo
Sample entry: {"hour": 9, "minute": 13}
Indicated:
{"hour": 3, "minute": 35}
